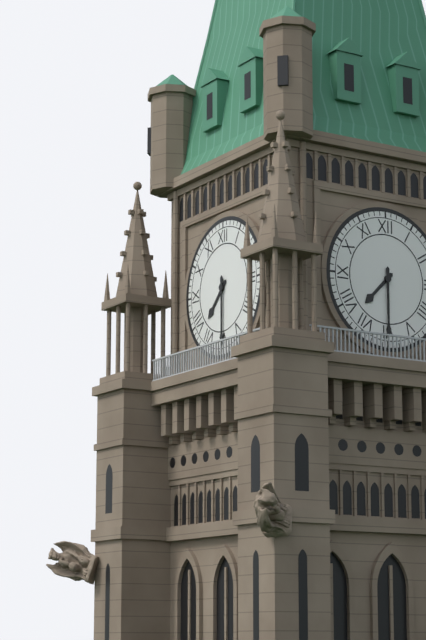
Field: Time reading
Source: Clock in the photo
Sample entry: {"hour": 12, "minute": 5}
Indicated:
{"hour": 7, "minute": 30}
